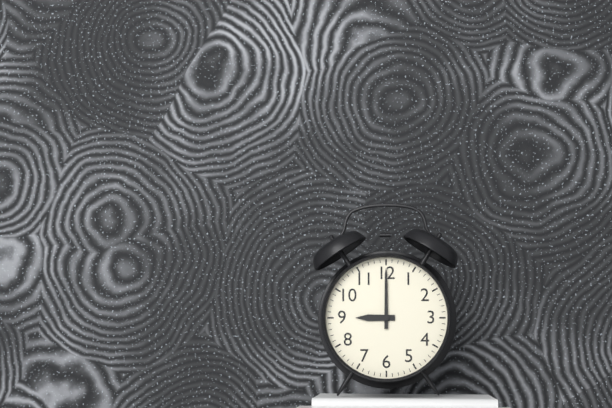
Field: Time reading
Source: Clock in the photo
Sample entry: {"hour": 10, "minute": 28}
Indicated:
{"hour": 9, "minute": 0}
